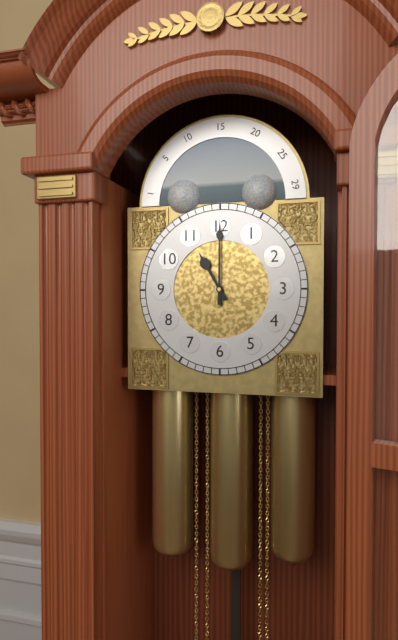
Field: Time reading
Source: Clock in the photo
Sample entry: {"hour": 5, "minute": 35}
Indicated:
{"hour": 11, "minute": 0}
